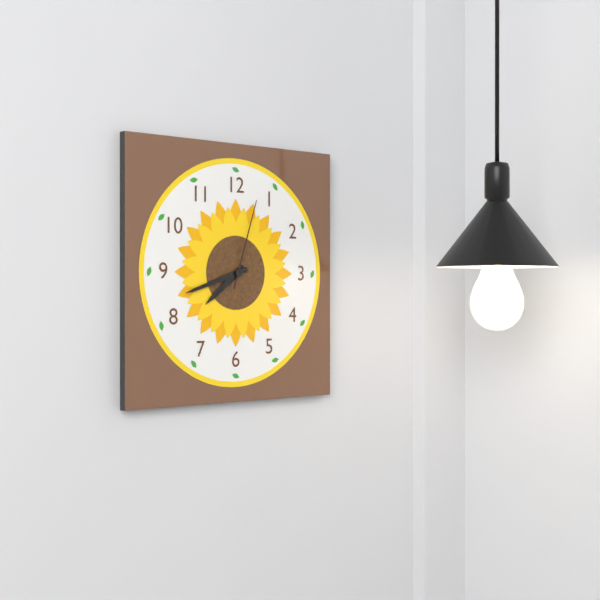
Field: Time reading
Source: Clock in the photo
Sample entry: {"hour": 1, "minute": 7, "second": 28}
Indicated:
{"hour": 7, "minute": 42, "second": 3}
